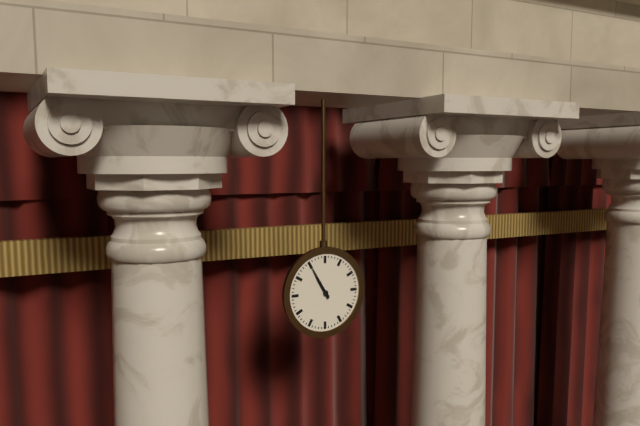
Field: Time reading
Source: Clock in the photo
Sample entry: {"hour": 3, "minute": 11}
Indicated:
{"hour": 10, "minute": 55}
